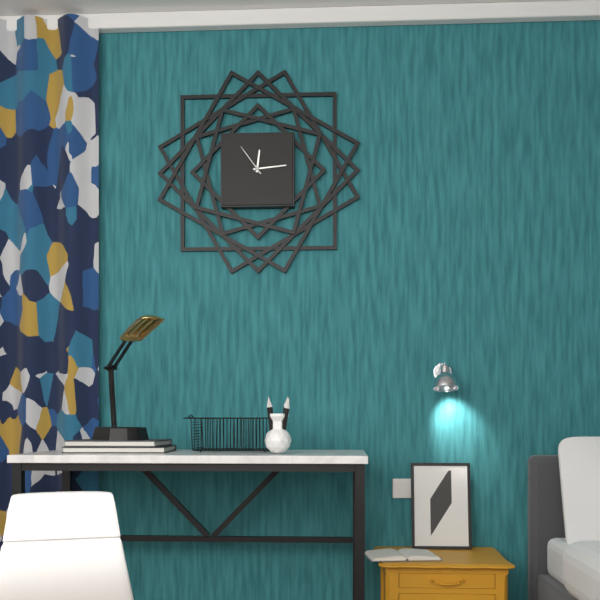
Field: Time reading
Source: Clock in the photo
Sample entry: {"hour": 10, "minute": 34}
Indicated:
{"hour": 12, "minute": 14}
